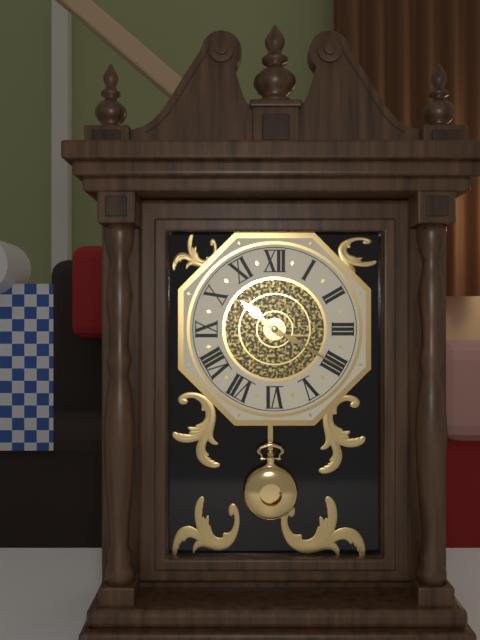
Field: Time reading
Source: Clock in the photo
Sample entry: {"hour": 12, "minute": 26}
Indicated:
{"hour": 10, "minute": 20}
